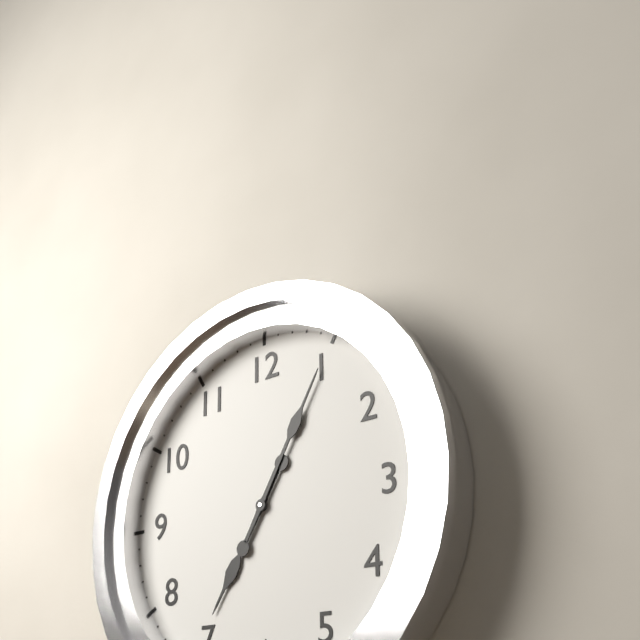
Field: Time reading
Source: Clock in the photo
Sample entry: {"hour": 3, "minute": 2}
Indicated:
{"hour": 7, "minute": 5}
